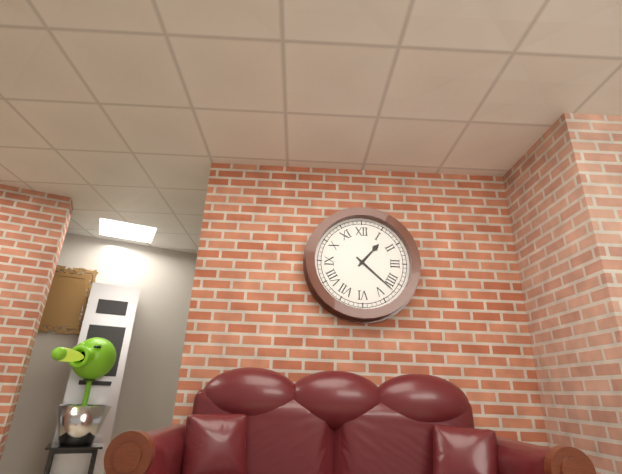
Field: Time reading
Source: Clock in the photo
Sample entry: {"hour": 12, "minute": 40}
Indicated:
{"hour": 1, "minute": 22}
